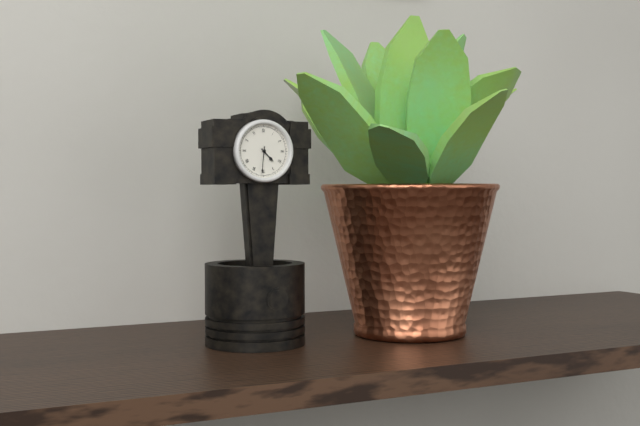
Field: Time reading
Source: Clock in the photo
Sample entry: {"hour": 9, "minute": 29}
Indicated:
{"hour": 4, "minute": 31}
